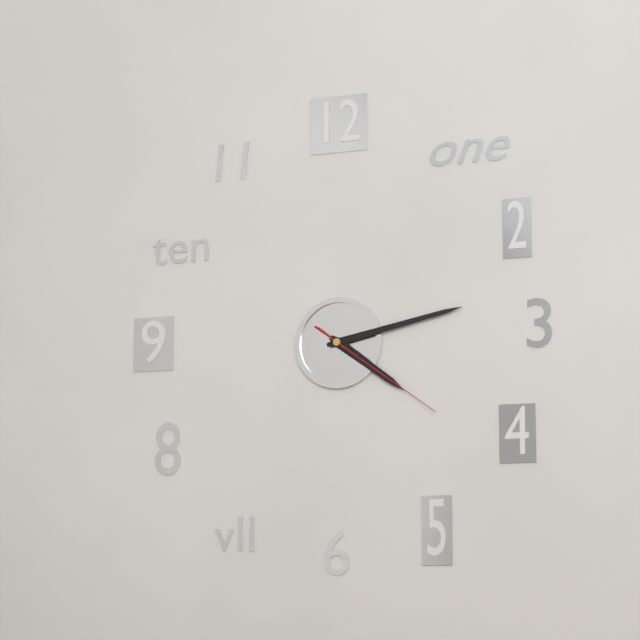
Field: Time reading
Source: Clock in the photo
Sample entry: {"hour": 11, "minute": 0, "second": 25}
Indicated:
{"hour": 4, "minute": 13, "second": 21}
